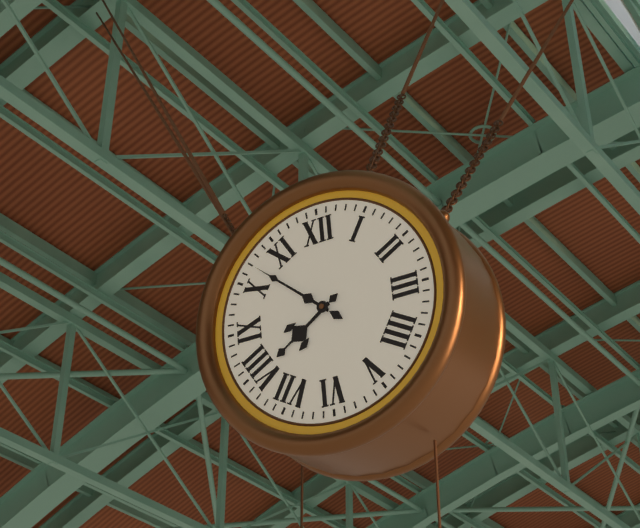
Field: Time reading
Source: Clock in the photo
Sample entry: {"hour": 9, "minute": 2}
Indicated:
{"hour": 7, "minute": 52}
